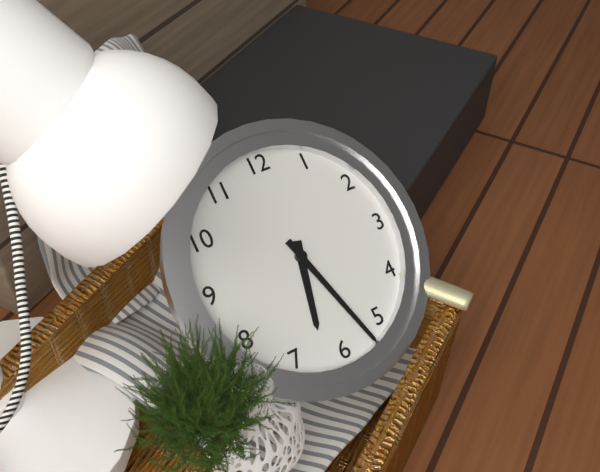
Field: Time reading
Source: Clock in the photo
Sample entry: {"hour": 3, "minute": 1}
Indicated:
{"hour": 6, "minute": 27}
